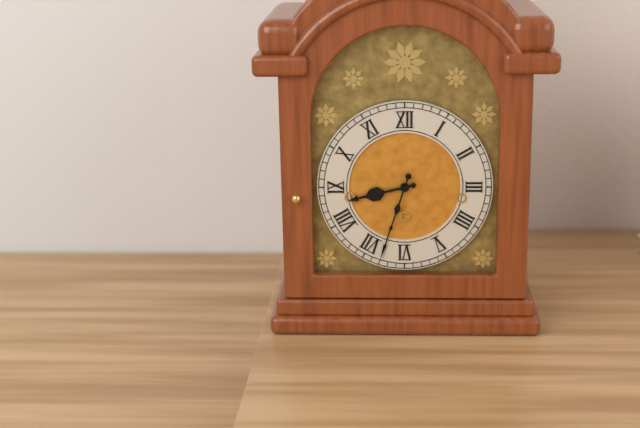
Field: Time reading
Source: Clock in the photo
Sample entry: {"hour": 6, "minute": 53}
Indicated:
{"hour": 8, "minute": 33}
